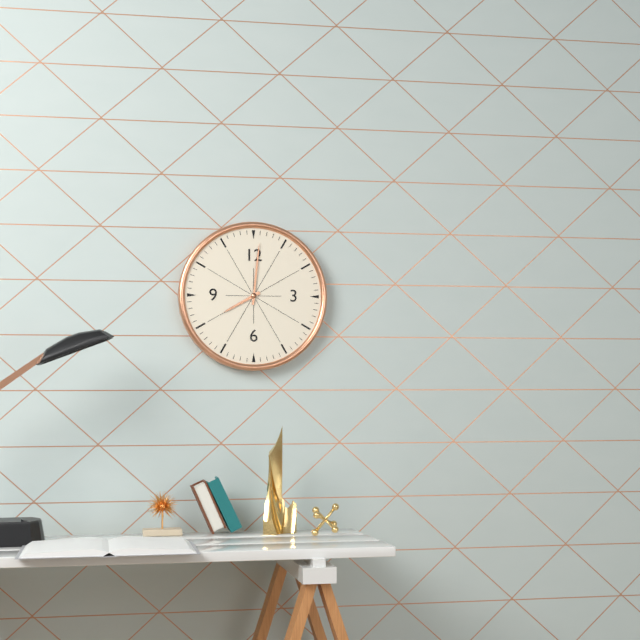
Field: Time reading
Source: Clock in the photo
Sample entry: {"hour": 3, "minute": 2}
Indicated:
{"hour": 8, "minute": 1}
